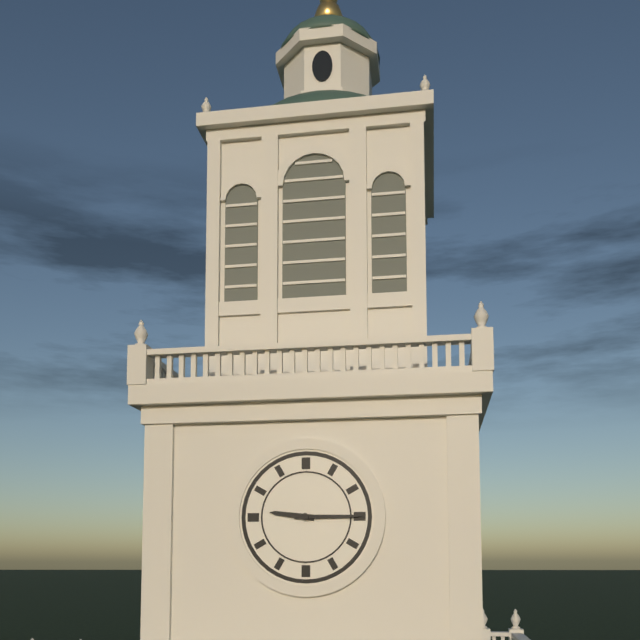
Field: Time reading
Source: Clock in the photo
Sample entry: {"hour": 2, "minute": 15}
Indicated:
{"hour": 9, "minute": 15}
